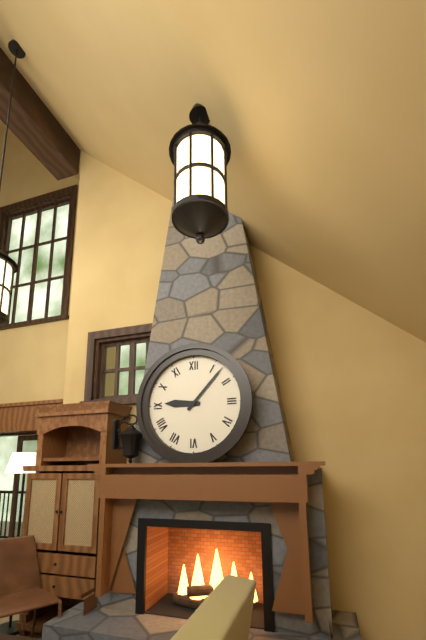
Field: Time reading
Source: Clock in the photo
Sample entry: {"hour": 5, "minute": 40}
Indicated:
{"hour": 9, "minute": 7}
